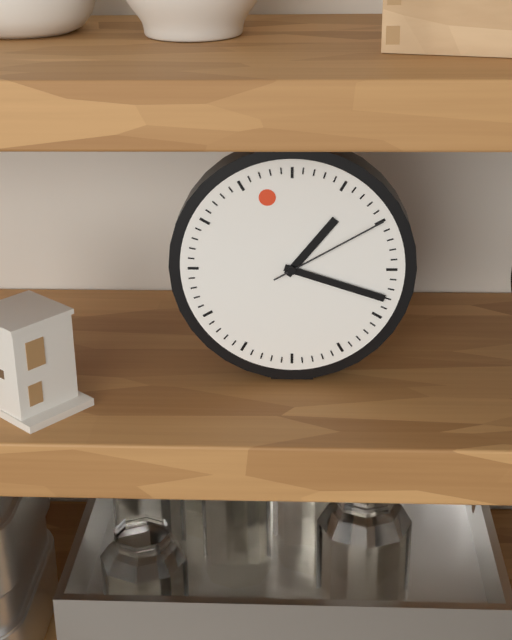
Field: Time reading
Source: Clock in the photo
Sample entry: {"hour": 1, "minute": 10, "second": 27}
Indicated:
{"hour": 1, "minute": 18, "second": 10}
